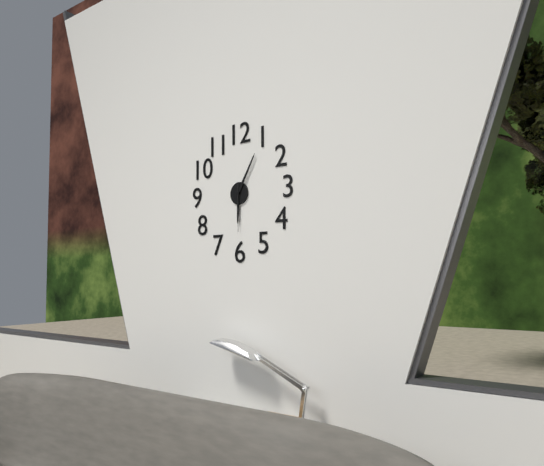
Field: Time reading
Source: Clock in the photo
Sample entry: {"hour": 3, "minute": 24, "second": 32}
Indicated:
{"hour": 6, "minute": 5, "second": 30}
